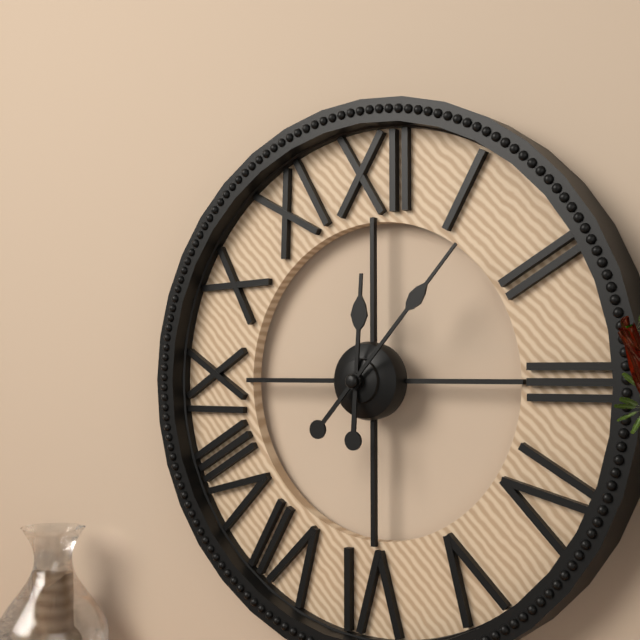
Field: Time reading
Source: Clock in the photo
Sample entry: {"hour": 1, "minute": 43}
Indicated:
{"hour": 12, "minute": 7}
